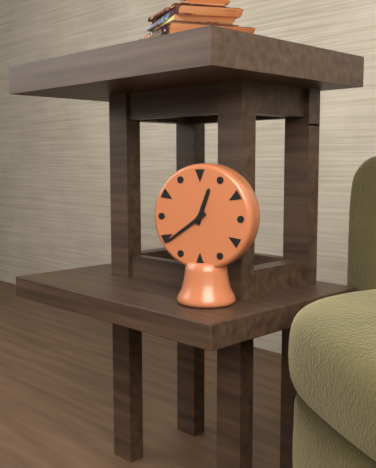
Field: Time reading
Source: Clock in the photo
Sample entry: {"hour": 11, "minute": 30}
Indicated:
{"hour": 12, "minute": 39}
